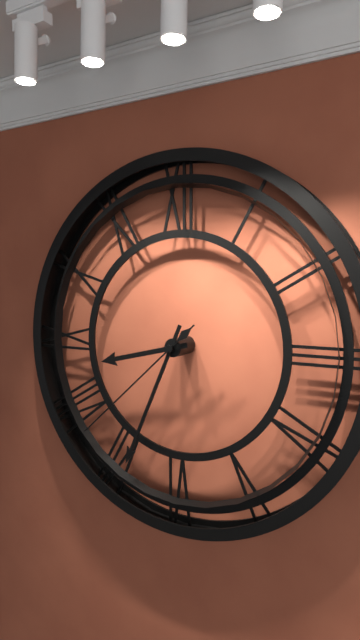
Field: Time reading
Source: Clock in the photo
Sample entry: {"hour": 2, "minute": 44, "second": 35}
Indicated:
{"hour": 8, "minute": 34, "second": 38}
